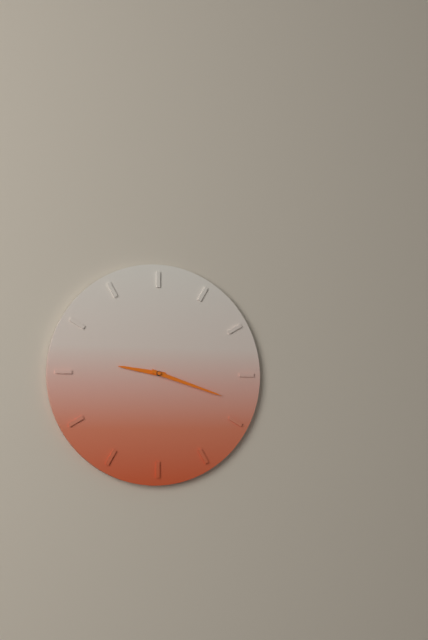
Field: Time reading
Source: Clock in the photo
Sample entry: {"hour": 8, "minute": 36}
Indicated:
{"hour": 9, "minute": 18}
